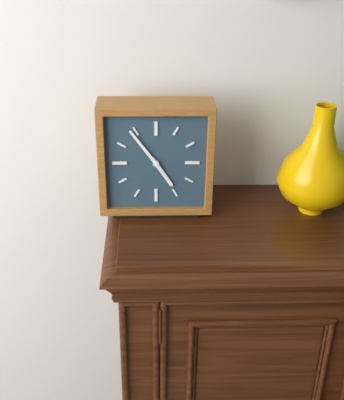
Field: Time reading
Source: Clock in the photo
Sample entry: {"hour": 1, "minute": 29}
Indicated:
{"hour": 4, "minute": 54}
